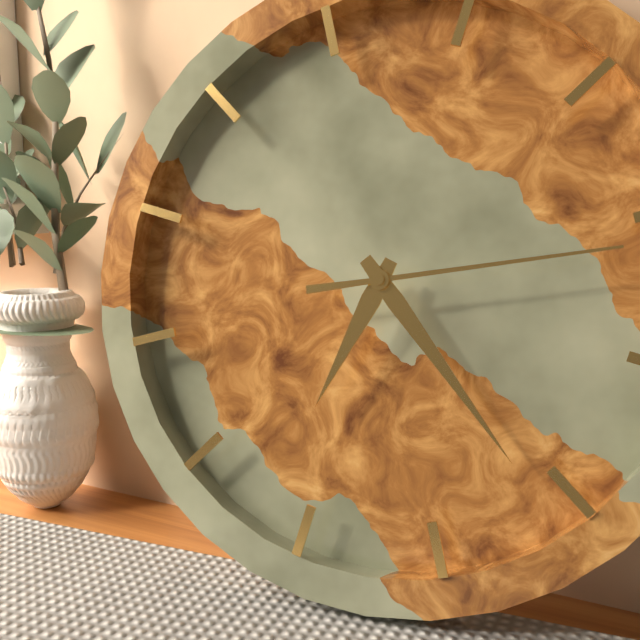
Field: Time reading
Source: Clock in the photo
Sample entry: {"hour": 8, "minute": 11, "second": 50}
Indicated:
{"hour": 6, "minute": 21, "second": 11}
